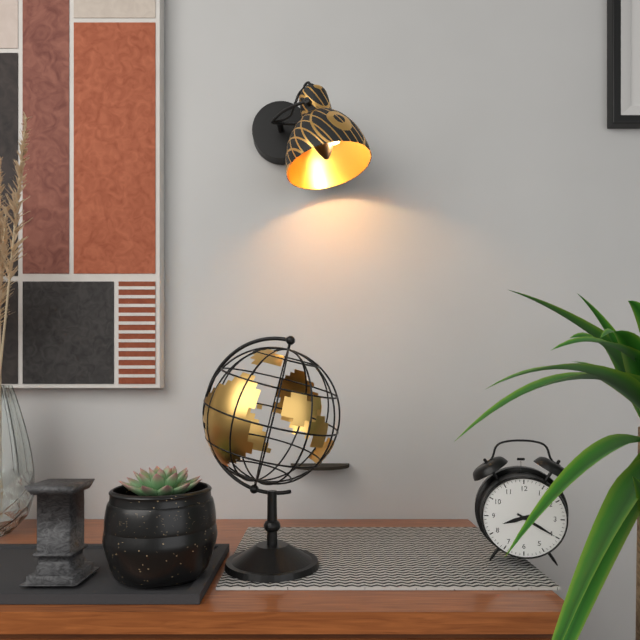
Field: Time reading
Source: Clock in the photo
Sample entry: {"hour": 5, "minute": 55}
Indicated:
{"hour": 8, "minute": 20}
